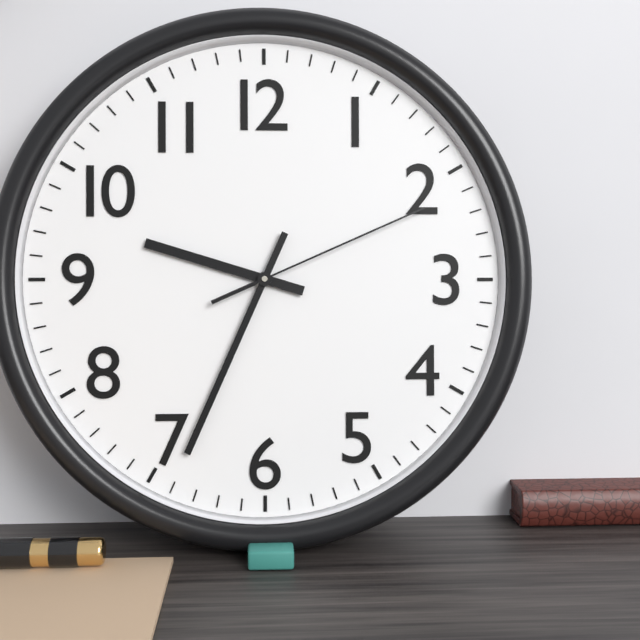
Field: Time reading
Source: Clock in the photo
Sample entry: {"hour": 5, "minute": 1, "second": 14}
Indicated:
{"hour": 9, "minute": 34, "second": 11}
